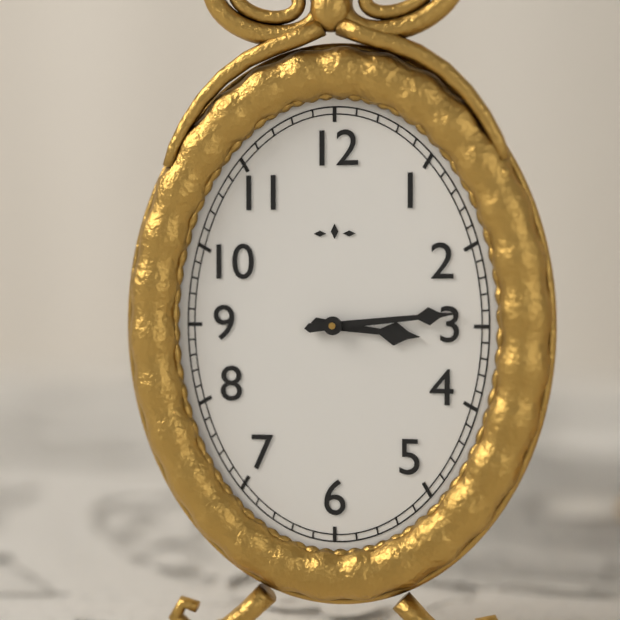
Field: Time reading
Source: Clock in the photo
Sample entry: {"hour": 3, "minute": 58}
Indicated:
{"hour": 3, "minute": 14}
